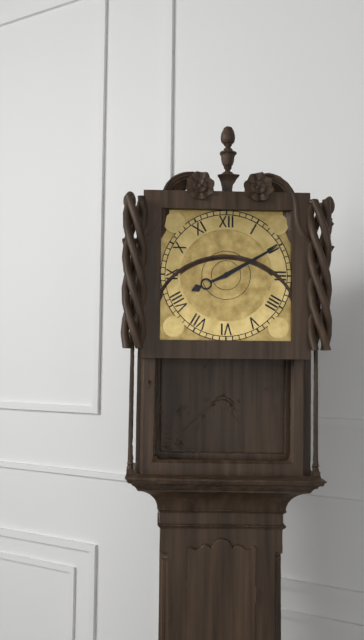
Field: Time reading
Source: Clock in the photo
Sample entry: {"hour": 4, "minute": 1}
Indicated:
{"hour": 8, "minute": 10}
